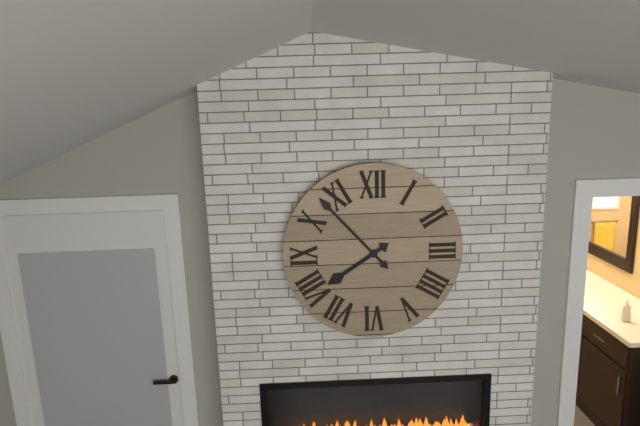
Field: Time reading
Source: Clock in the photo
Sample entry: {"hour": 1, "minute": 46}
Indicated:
{"hour": 7, "minute": 53}
